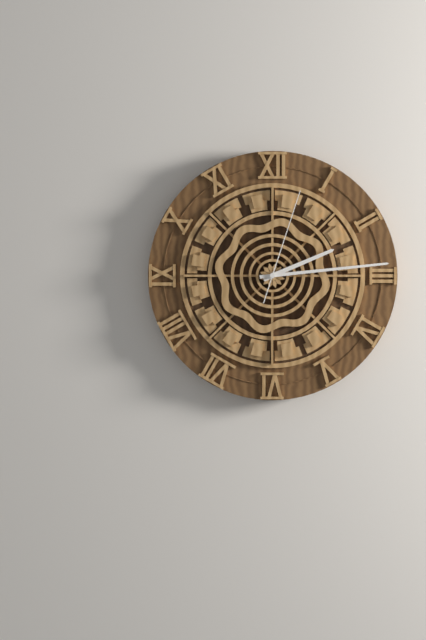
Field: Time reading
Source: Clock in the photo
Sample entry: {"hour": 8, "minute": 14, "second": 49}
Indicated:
{"hour": 2, "minute": 14, "second": 3}
